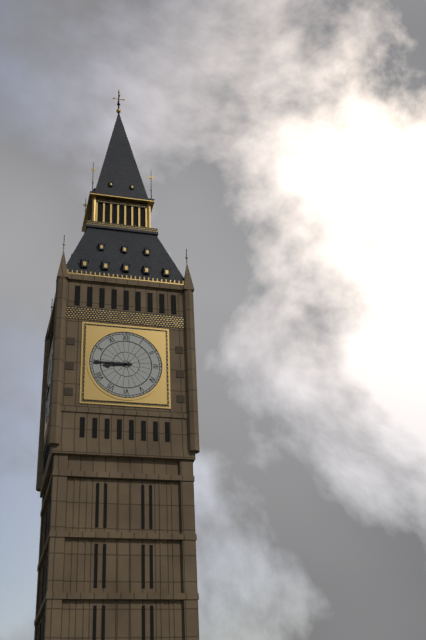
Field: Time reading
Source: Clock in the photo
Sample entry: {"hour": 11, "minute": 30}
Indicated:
{"hour": 8, "minute": 45}
